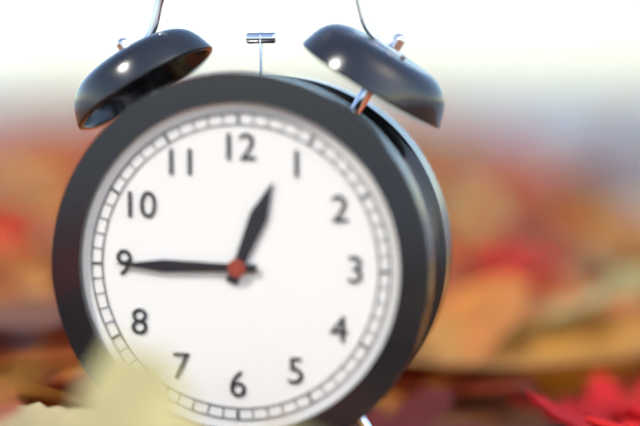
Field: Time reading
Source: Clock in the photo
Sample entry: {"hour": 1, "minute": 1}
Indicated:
{"hour": 12, "minute": 45}
